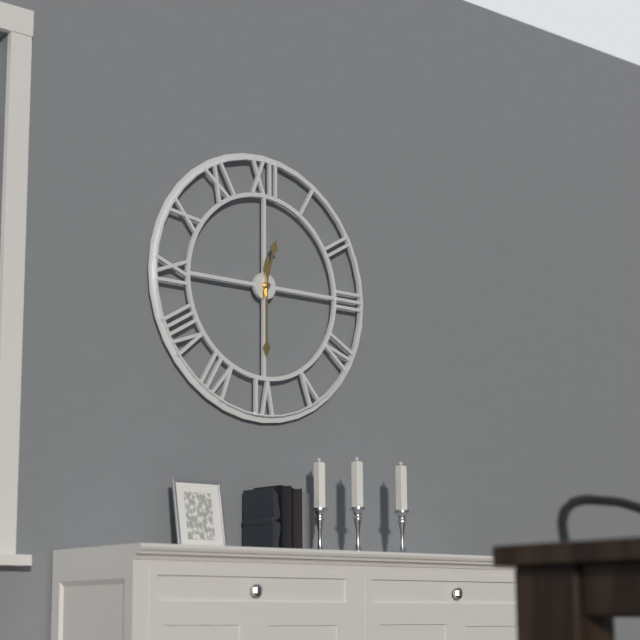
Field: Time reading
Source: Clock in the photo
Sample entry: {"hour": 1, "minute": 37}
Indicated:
{"hour": 12, "minute": 30}
